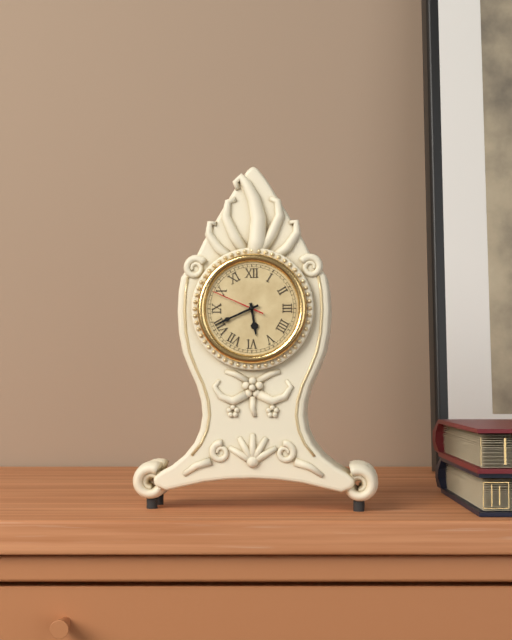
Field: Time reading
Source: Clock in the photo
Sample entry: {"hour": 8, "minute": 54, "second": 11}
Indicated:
{"hour": 5, "minute": 41, "second": 49}
